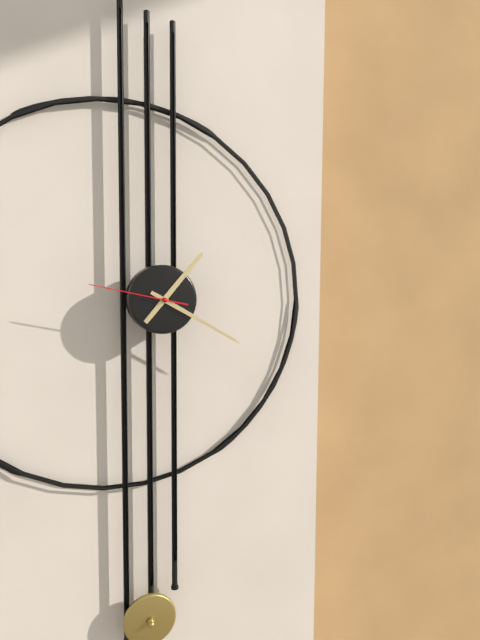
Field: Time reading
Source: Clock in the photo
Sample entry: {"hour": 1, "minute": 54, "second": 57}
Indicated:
{"hour": 1, "minute": 20, "second": 47}
